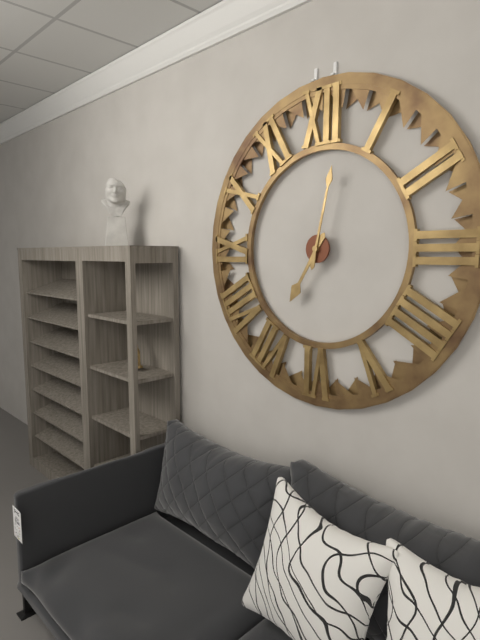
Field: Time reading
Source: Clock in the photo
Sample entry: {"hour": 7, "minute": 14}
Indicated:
{"hour": 7, "minute": 2}
